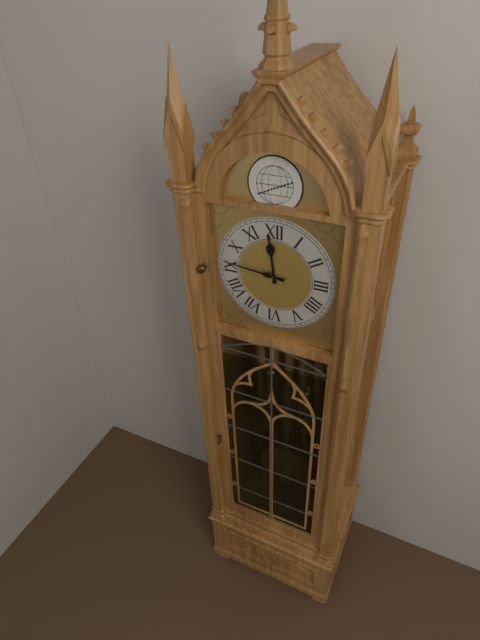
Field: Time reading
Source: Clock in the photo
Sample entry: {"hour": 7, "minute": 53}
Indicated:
{"hour": 11, "minute": 46}
